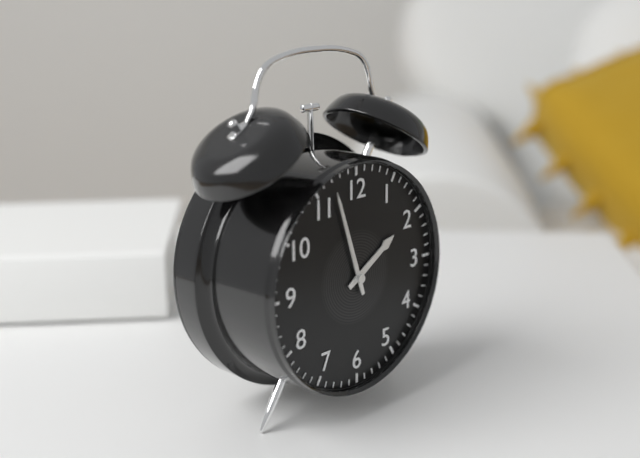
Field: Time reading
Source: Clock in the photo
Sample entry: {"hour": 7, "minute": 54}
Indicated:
{"hour": 1, "minute": 57}
